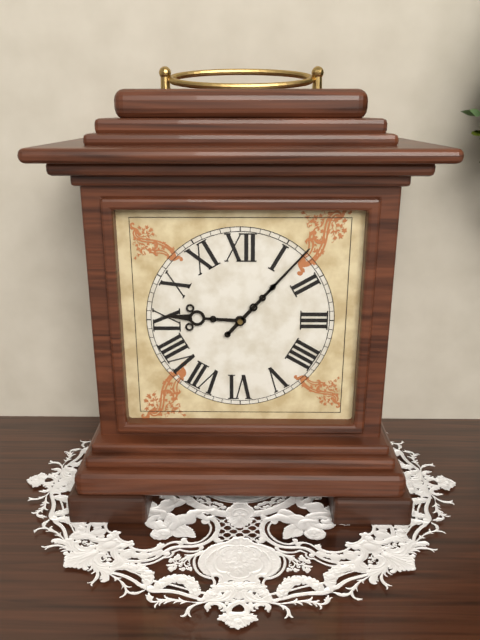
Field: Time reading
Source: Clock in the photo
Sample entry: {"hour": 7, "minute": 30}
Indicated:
{"hour": 9, "minute": 7}
